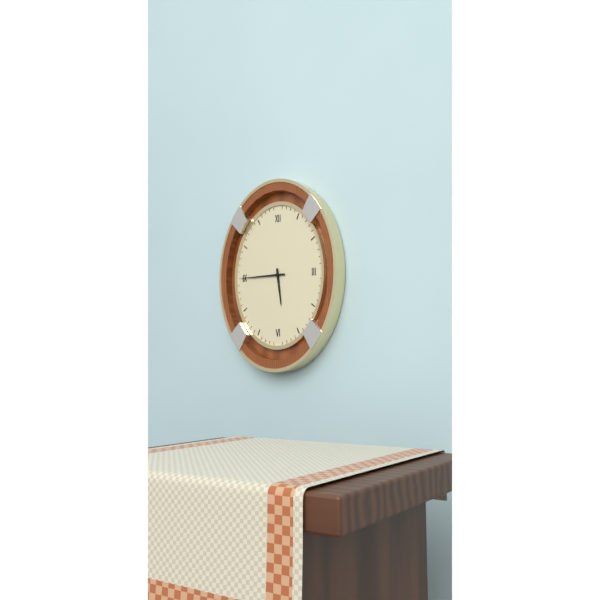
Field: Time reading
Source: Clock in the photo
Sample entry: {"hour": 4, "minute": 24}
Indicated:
{"hour": 5, "minute": 45}
